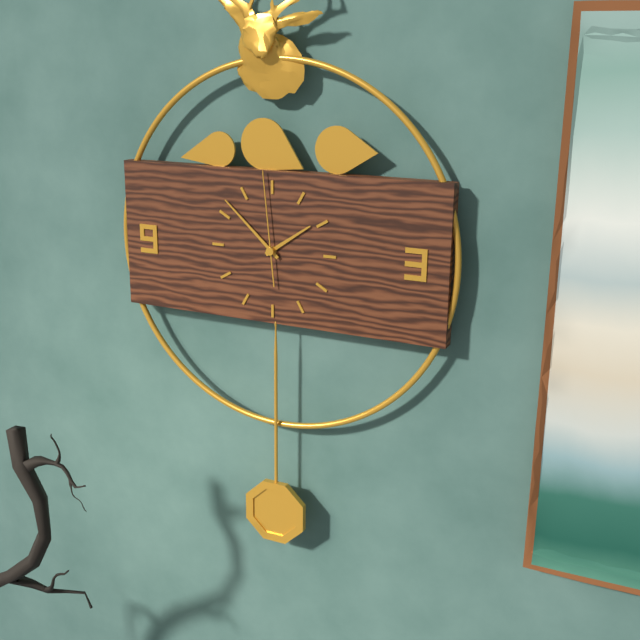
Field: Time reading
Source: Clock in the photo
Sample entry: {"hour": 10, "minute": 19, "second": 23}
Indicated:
{"hour": 1, "minute": 52, "second": 59}
